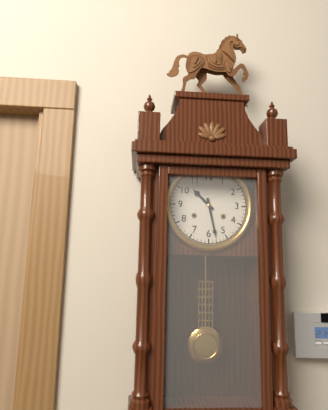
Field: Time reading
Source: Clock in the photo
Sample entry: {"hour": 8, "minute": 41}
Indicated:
{"hour": 10, "minute": 28}
